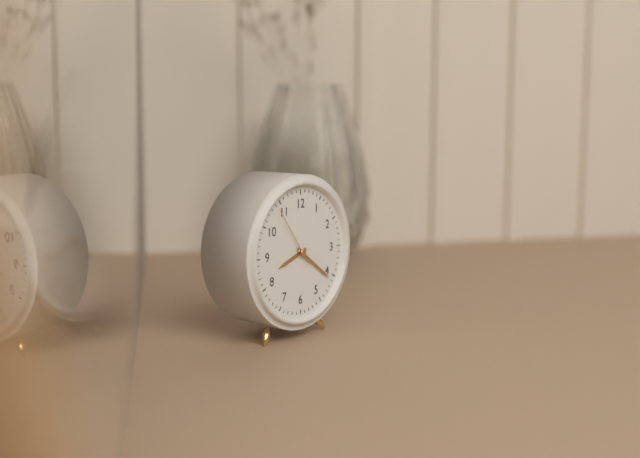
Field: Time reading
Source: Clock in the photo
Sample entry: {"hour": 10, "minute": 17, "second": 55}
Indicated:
{"hour": 8, "minute": 21, "second": 54}
